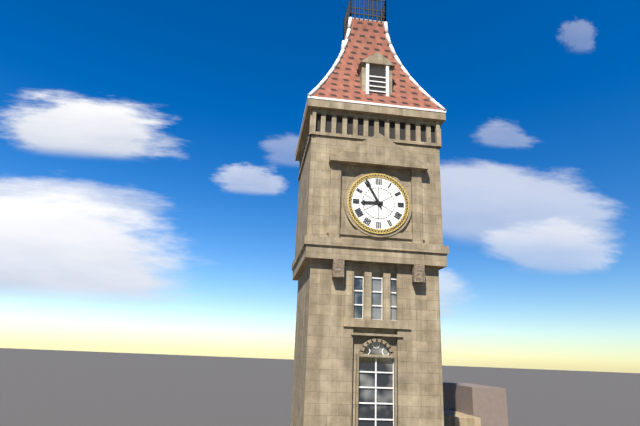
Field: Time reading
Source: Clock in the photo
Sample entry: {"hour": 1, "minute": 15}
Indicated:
{"hour": 8, "minute": 55}
